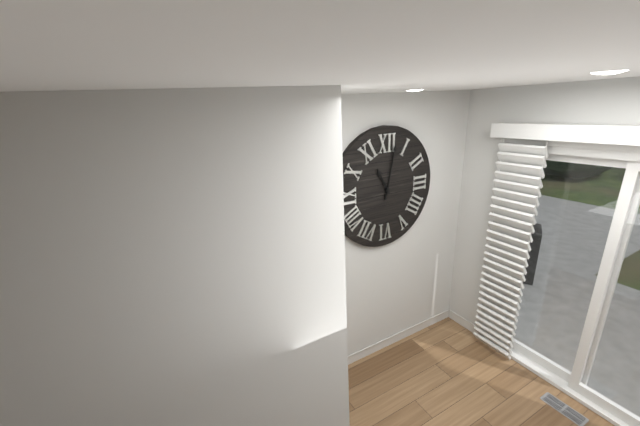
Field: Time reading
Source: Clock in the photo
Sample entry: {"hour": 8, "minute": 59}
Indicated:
{"hour": 11, "minute": 2}
